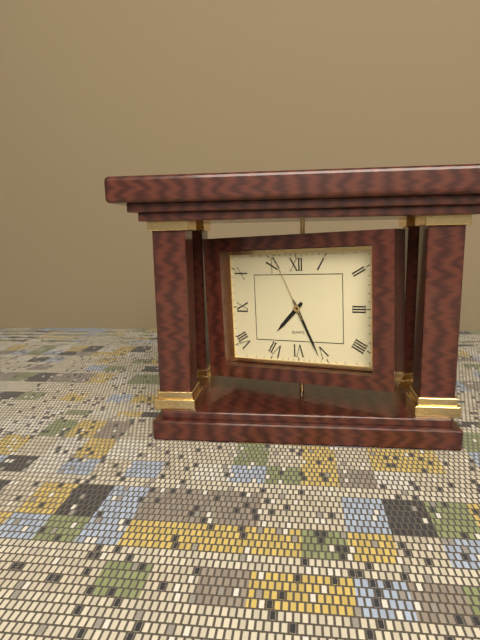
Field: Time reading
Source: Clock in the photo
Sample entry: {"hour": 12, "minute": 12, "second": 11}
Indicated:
{"hour": 7, "minute": 26, "second": 56}
